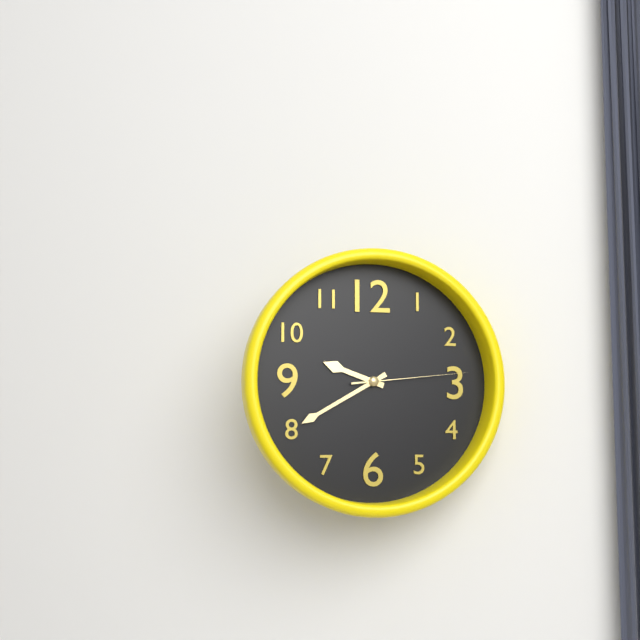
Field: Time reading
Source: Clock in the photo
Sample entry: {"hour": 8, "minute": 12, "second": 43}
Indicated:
{"hour": 9, "minute": 40, "second": 14}
